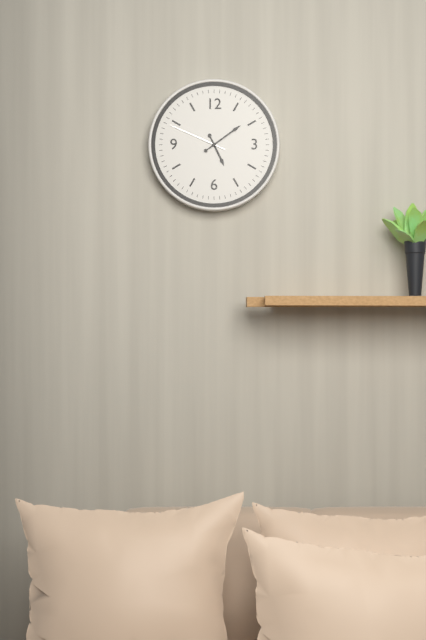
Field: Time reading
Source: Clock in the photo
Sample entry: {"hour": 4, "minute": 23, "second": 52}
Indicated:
{"hour": 5, "minute": 9, "second": 49}
